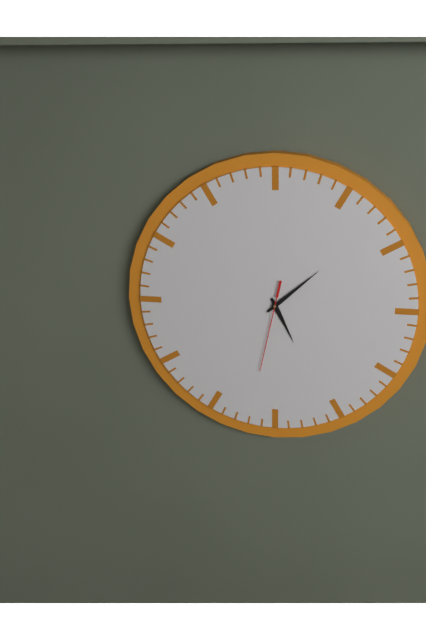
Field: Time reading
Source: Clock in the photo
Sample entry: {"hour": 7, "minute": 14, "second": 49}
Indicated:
{"hour": 5, "minute": 8, "second": 32}
